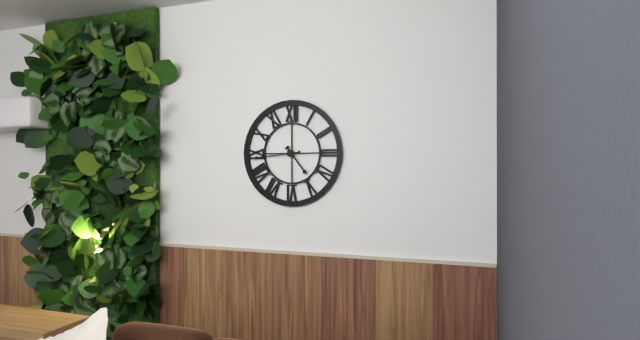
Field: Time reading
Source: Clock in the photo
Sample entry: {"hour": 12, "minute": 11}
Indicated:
{"hour": 4, "minute": 44}
